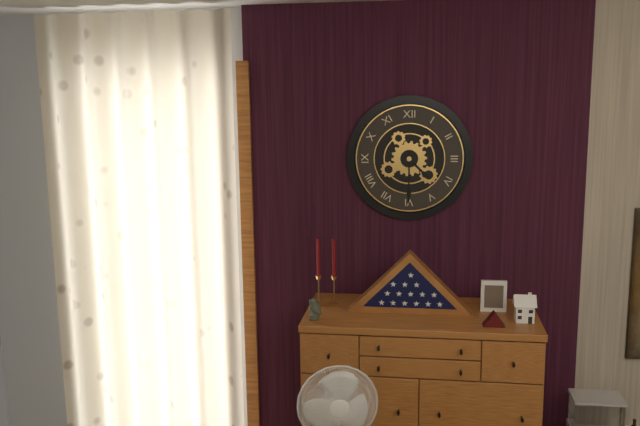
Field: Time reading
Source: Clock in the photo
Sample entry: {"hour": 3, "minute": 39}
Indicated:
{"hour": 4, "minute": 30}
